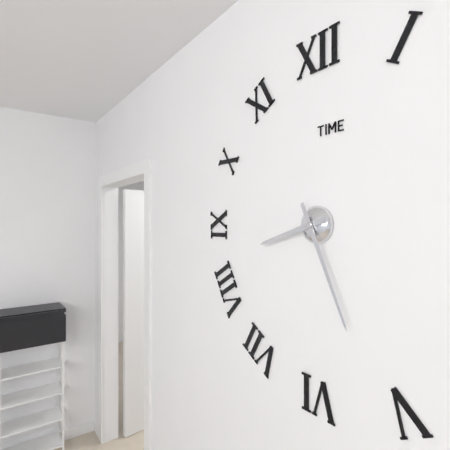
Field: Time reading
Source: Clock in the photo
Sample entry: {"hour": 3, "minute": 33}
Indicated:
{"hour": 8, "minute": 26}
